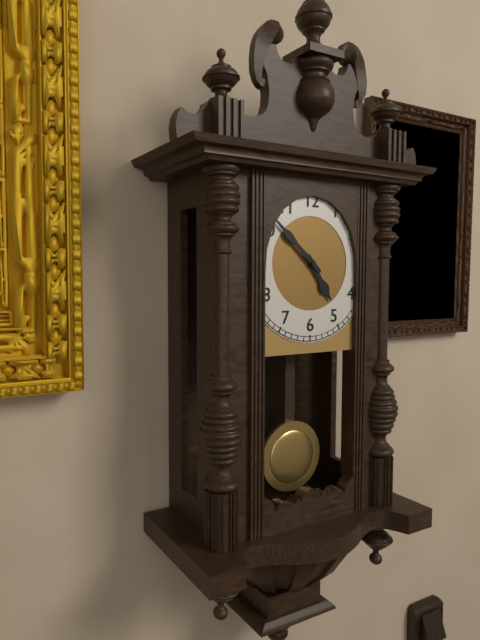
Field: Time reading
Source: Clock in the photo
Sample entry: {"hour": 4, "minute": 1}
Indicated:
{"hour": 4, "minute": 52}
